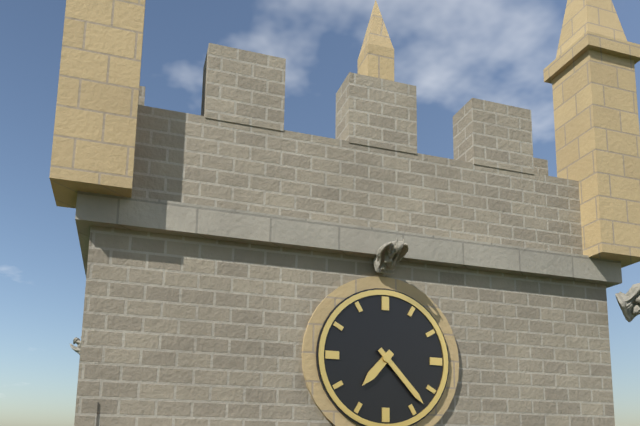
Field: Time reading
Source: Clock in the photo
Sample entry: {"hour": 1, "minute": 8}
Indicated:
{"hour": 7, "minute": 23}
